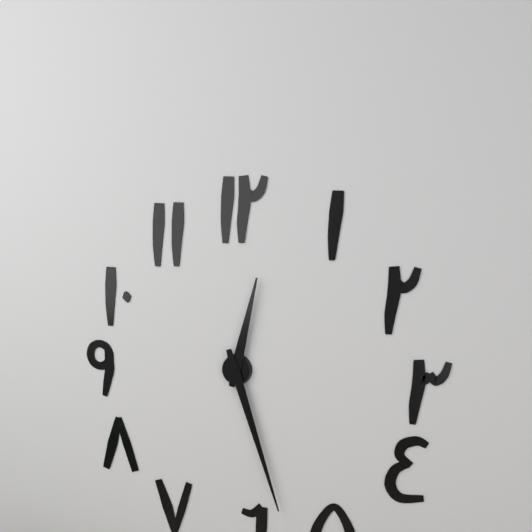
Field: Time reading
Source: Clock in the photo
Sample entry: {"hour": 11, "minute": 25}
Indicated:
{"hour": 12, "minute": 27}
